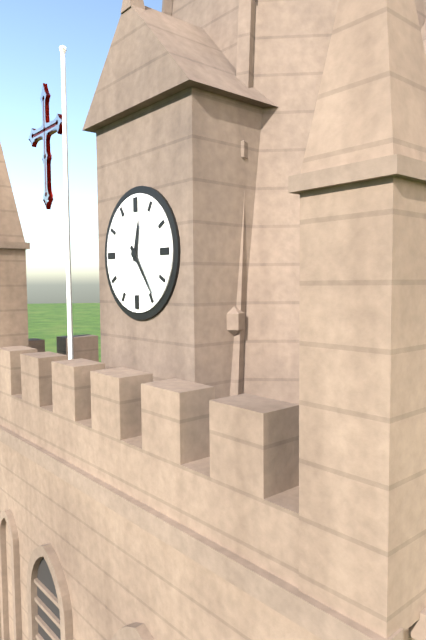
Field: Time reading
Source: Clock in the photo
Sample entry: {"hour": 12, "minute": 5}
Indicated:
{"hour": 12, "minute": 24}
